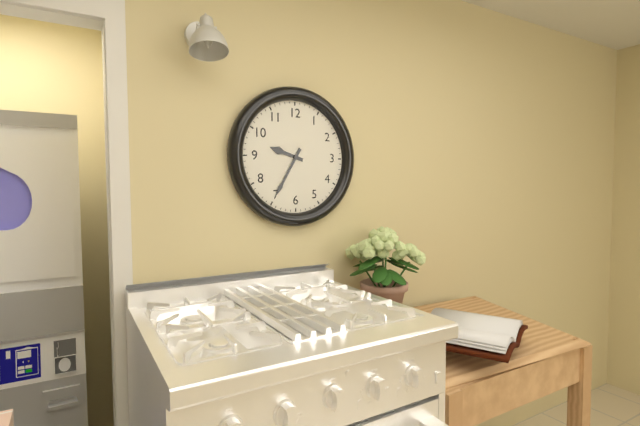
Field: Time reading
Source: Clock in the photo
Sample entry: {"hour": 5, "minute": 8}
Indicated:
{"hour": 9, "minute": 35}
